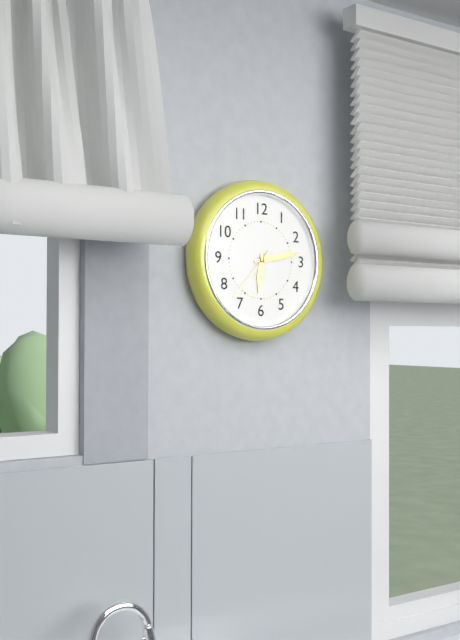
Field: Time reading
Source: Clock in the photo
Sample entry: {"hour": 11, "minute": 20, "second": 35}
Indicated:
{"hour": 6, "minute": 13, "second": 37}
